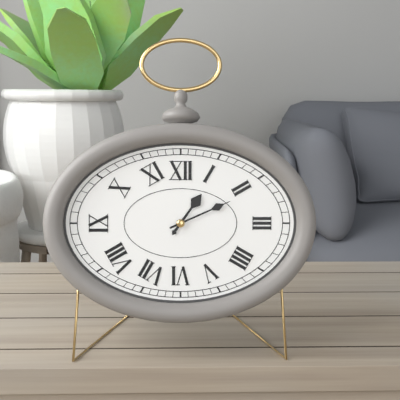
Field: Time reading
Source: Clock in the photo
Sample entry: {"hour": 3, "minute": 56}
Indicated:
{"hour": 1, "minute": 11}
